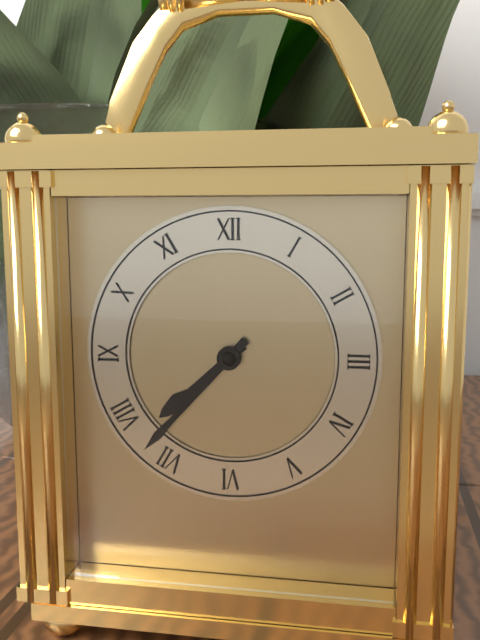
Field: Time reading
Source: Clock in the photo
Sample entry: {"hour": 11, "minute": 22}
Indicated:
{"hour": 7, "minute": 37}
